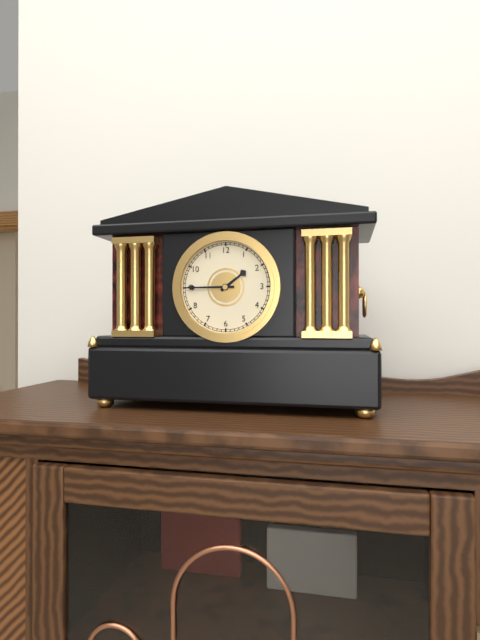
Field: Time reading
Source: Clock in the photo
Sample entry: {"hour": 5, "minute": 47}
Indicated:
{"hour": 1, "minute": 45}
